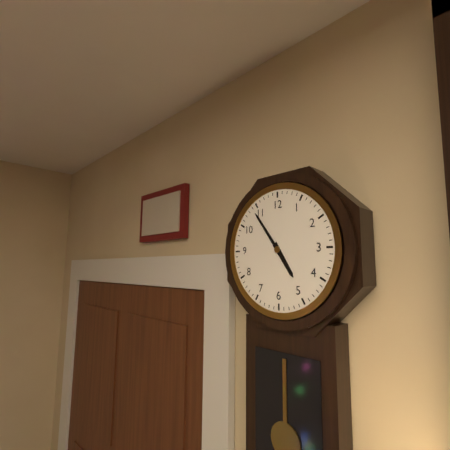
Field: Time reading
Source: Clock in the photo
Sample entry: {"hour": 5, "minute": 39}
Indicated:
{"hour": 4, "minute": 54}
